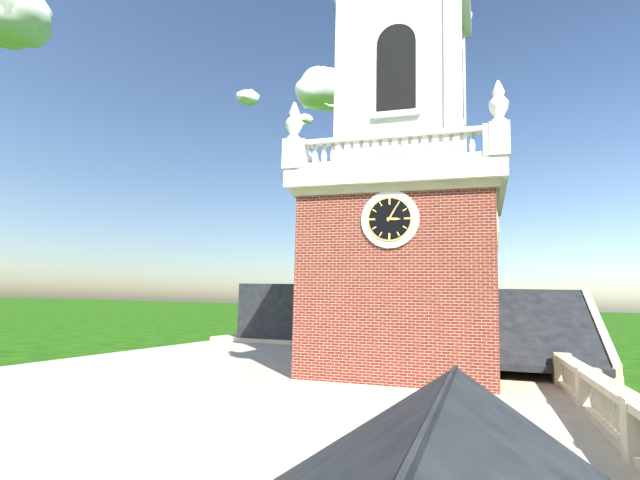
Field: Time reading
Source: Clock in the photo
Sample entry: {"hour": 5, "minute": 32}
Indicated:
{"hour": 3, "minute": 5}
